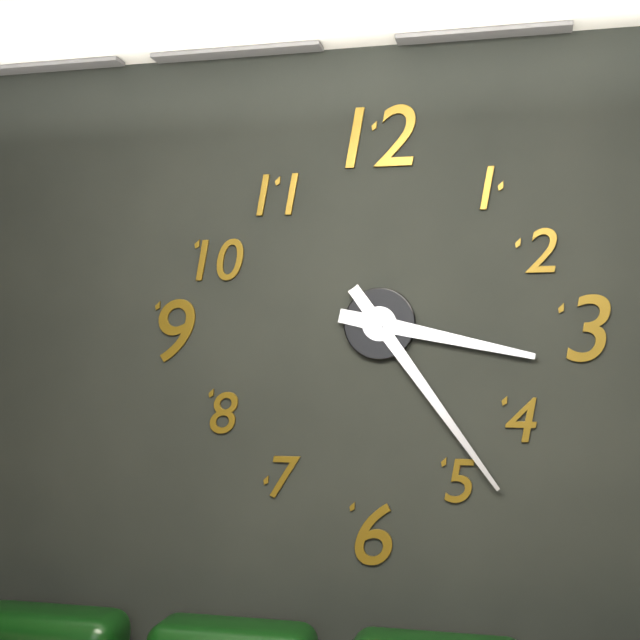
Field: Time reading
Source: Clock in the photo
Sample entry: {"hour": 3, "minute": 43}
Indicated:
{"hour": 3, "minute": 24}
